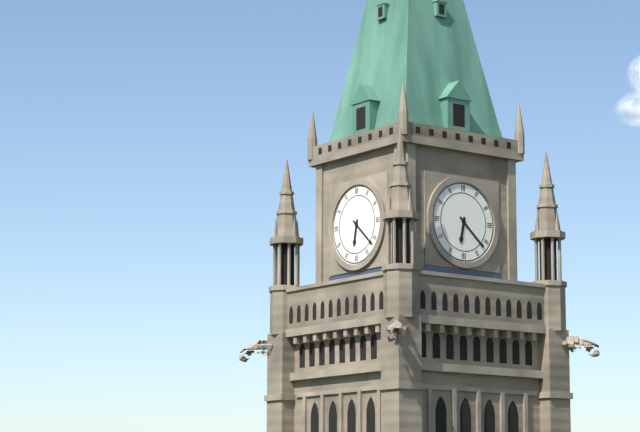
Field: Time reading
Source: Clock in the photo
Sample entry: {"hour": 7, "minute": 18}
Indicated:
{"hour": 6, "minute": 22}
